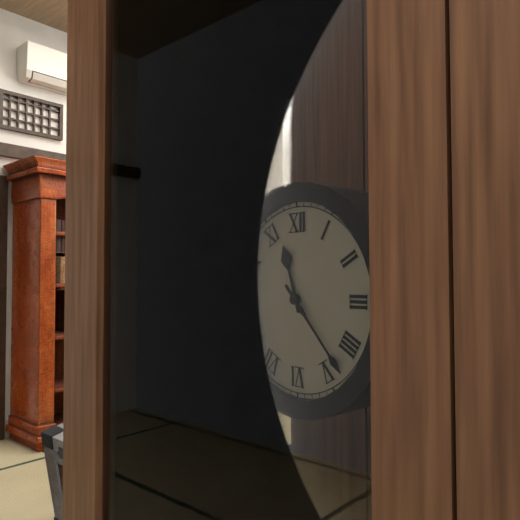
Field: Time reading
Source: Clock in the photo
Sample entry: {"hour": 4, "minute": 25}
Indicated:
{"hour": 11, "minute": 23}
